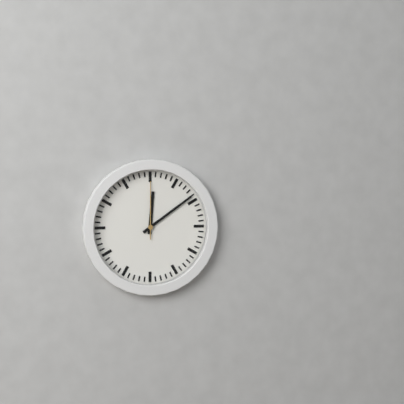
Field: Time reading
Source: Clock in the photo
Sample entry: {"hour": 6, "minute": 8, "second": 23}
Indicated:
{"hour": 12, "minute": 9, "second": 0}
